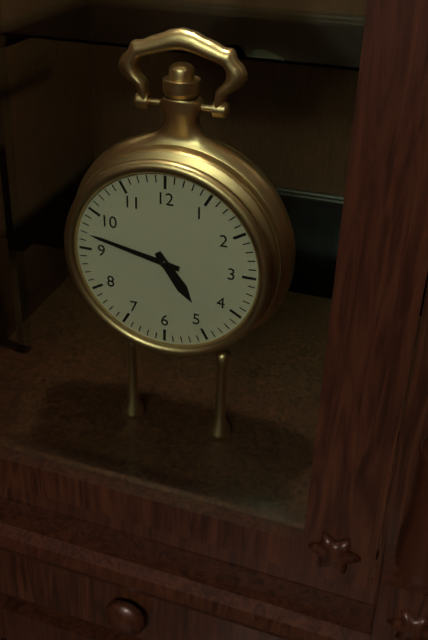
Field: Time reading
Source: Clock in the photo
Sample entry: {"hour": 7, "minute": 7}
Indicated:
{"hour": 4, "minute": 47}
